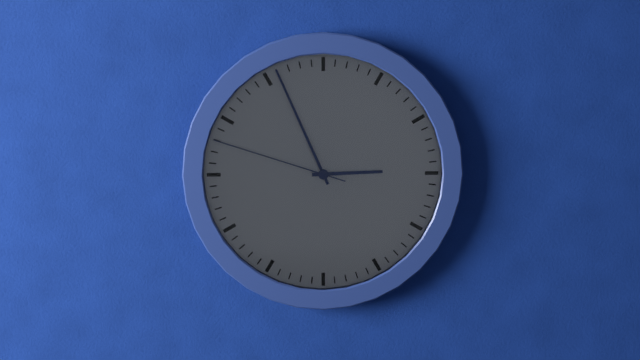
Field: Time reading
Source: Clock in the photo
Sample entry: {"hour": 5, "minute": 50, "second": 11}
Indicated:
{"hour": 2, "minute": 56, "second": 48}
